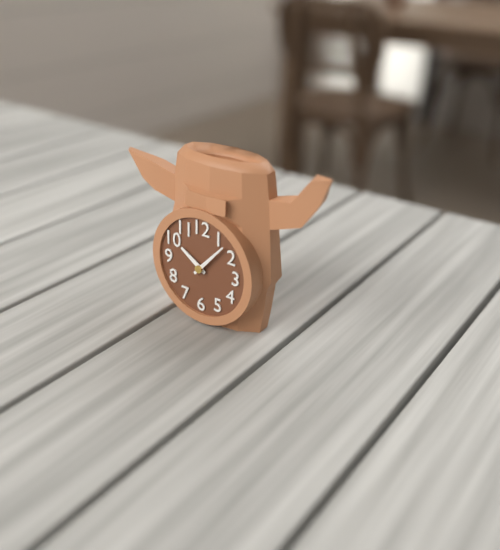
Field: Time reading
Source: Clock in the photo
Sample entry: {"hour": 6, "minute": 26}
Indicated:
{"hour": 10, "minute": 7}
